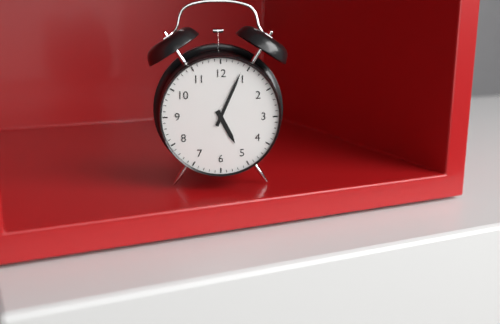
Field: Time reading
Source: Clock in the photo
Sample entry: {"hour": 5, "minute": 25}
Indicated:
{"hour": 5, "minute": 4}
